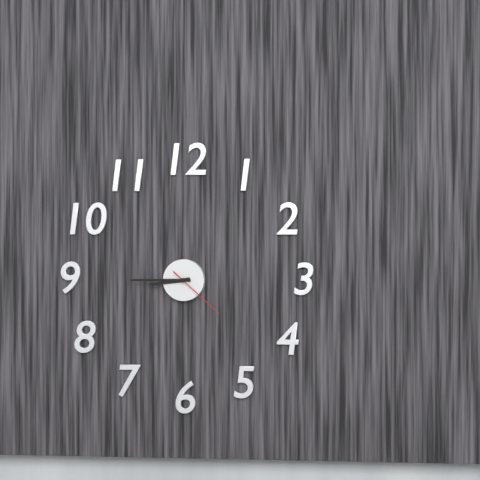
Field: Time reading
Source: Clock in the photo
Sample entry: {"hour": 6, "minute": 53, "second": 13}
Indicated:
{"hour": 8, "minute": 45, "second": 22}
